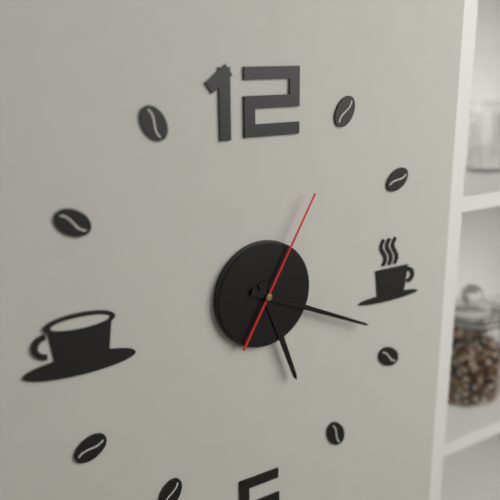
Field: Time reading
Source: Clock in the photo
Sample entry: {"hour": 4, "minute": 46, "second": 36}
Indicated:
{"hour": 5, "minute": 19, "second": 5}
